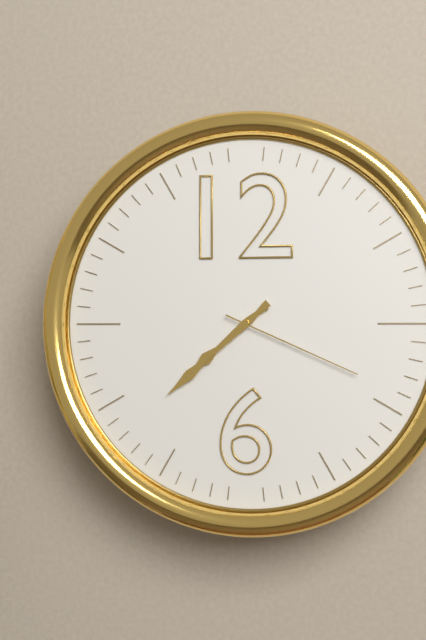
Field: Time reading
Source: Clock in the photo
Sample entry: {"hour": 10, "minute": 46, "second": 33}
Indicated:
{"hour": 7, "minute": 38, "second": 19}
